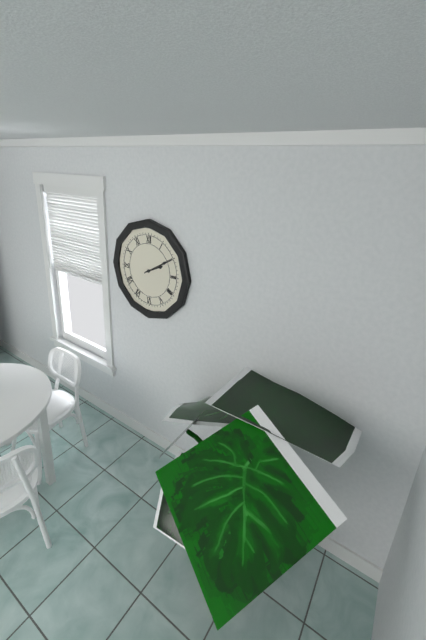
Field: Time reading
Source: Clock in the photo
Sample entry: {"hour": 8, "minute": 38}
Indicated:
{"hour": 2, "minute": 10}
